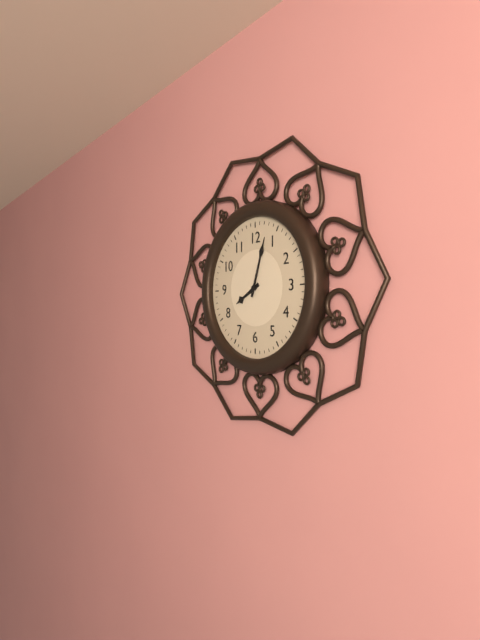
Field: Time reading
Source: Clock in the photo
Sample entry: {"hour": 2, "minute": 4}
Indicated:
{"hour": 8, "minute": 3}
